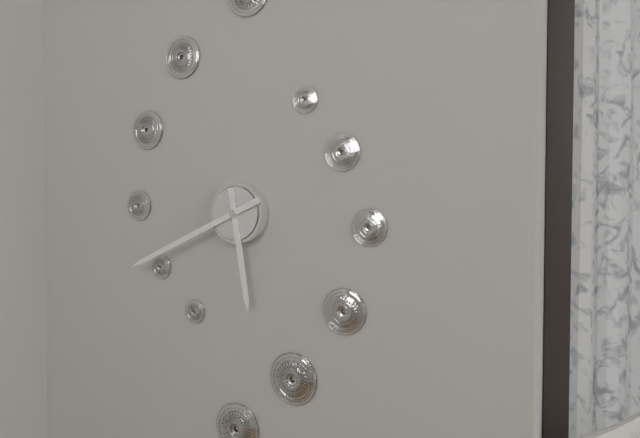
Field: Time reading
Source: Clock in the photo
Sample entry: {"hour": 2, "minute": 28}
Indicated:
{"hour": 5, "minute": 41}
